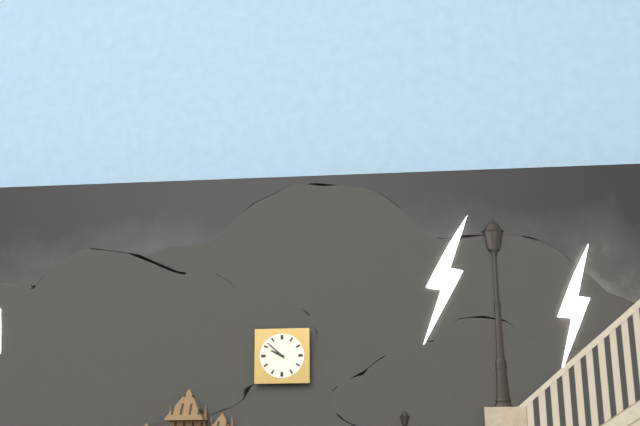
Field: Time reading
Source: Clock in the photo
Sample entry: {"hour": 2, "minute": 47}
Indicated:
{"hour": 9, "minute": 52}
